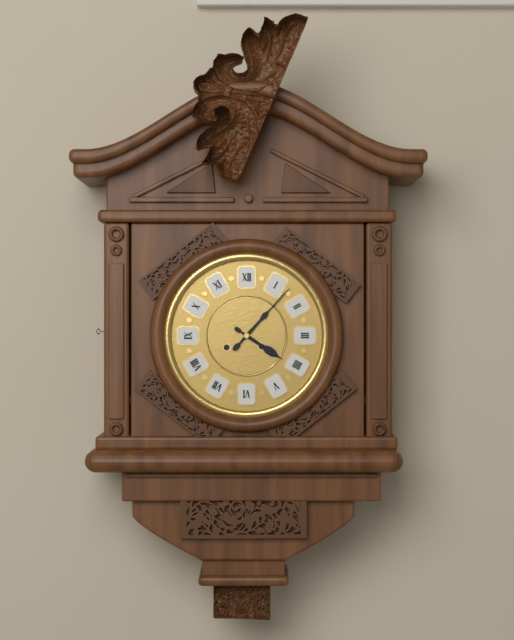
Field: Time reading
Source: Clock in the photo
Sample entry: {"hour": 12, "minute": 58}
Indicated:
{"hour": 4, "minute": 7}
